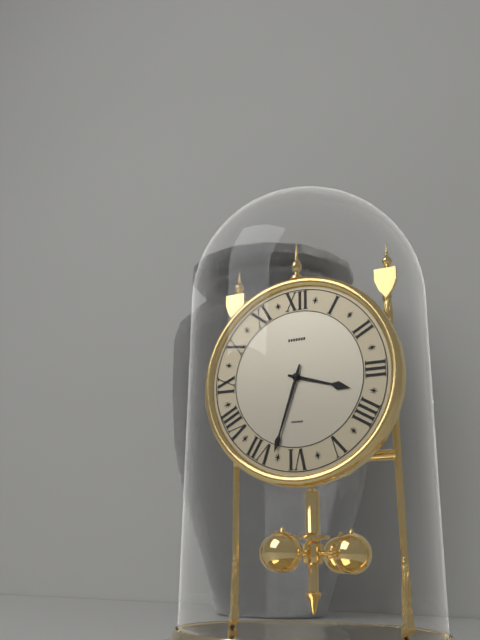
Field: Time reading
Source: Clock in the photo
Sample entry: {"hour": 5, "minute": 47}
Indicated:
{"hour": 3, "minute": 33}
